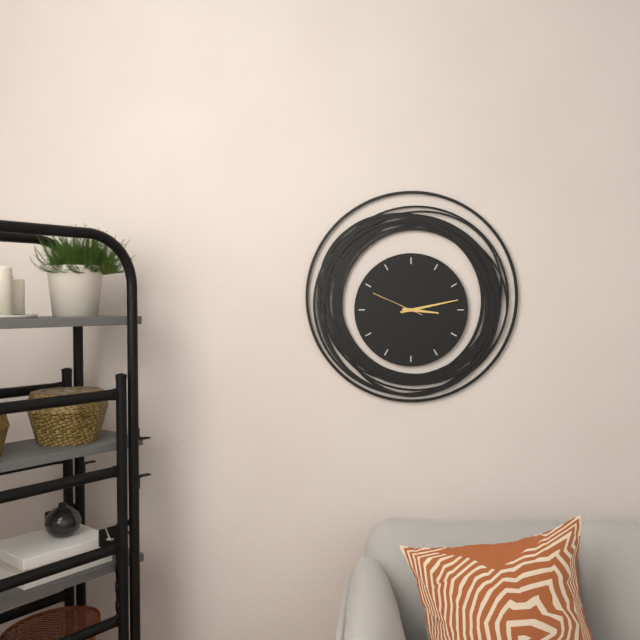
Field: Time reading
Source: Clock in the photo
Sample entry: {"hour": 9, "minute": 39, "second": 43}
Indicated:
{"hour": 3, "minute": 13, "second": 49}
